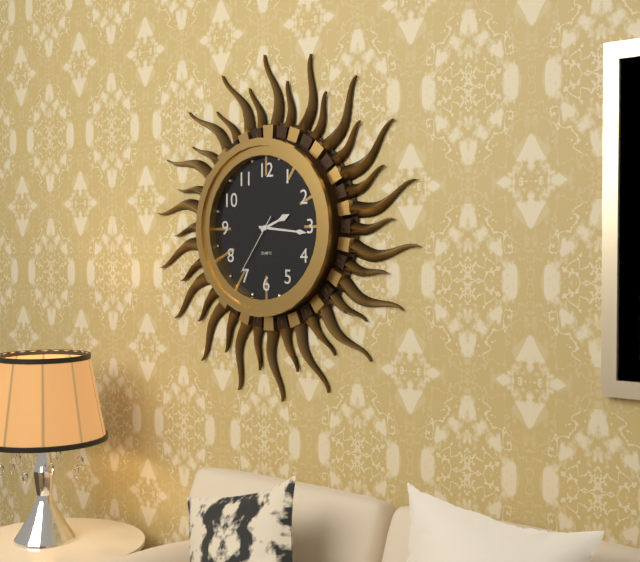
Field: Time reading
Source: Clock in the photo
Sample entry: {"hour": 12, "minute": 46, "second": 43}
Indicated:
{"hour": 2, "minute": 16, "second": 36}
